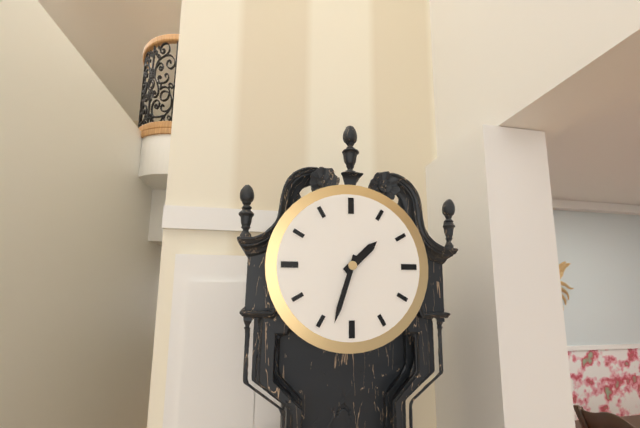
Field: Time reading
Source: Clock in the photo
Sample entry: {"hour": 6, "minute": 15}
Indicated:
{"hour": 1, "minute": 33}
